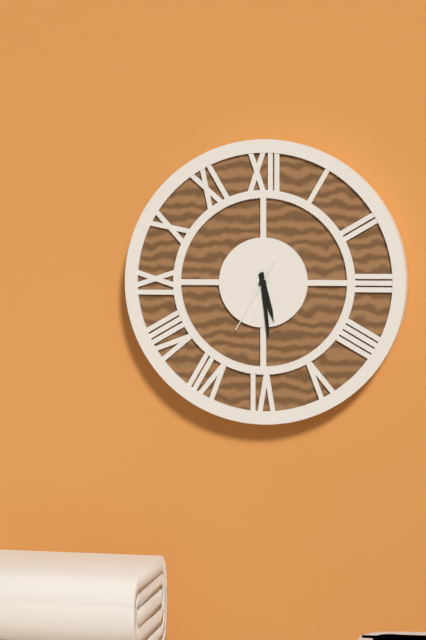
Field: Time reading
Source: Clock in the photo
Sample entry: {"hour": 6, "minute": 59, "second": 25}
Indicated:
{"hour": 5, "minute": 29, "second": 35}
